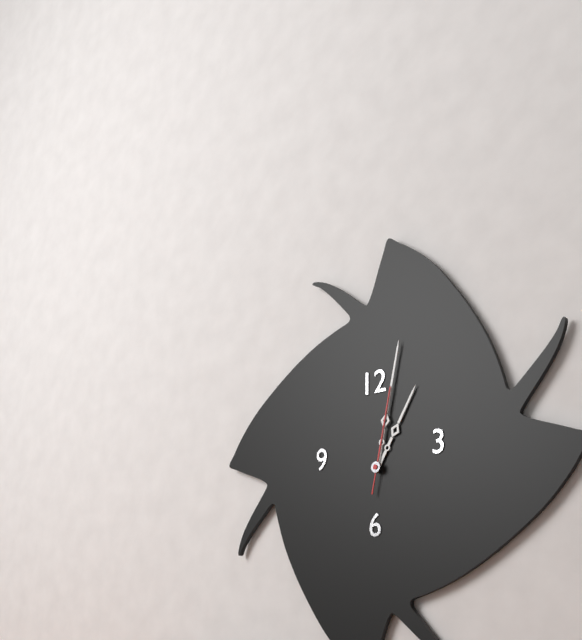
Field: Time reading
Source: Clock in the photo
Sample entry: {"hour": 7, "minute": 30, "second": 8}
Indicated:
{"hour": 1, "minute": 2, "second": 2}
